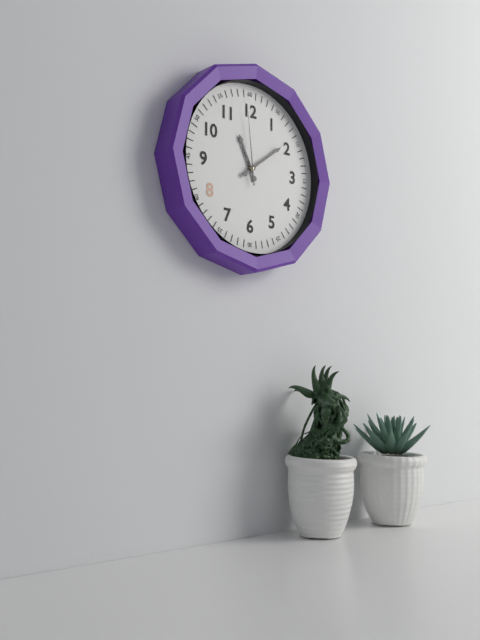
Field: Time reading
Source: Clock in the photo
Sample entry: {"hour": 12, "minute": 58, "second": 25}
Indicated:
{"hour": 11, "minute": 9, "second": 59}
